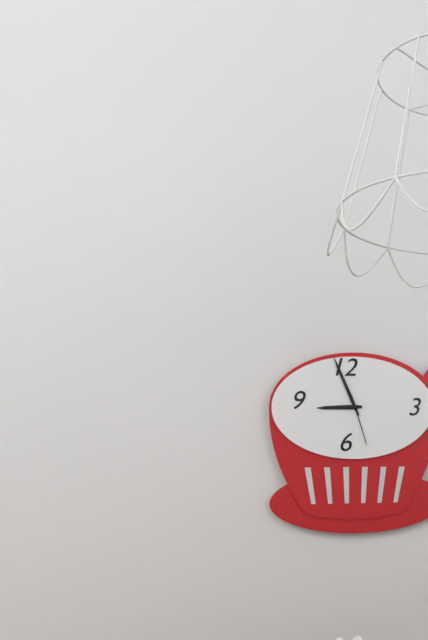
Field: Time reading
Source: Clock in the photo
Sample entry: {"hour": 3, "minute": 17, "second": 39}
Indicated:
{"hour": 8, "minute": 56, "second": 27}
